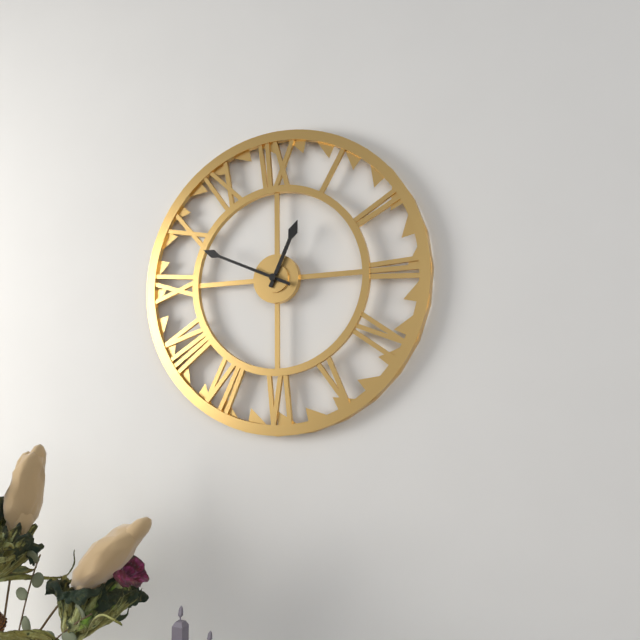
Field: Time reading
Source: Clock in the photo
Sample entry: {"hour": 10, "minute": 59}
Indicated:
{"hour": 12, "minute": 49}
